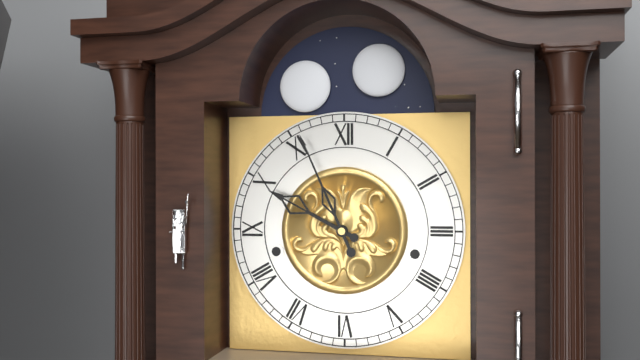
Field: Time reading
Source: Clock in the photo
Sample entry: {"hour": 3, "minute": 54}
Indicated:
{"hour": 9, "minute": 56}
